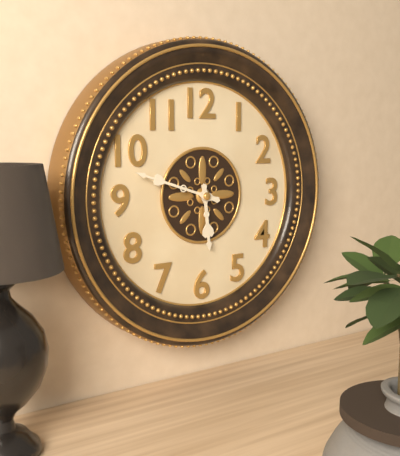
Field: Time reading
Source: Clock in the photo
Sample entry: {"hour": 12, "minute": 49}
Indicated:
{"hour": 5, "minute": 48}
